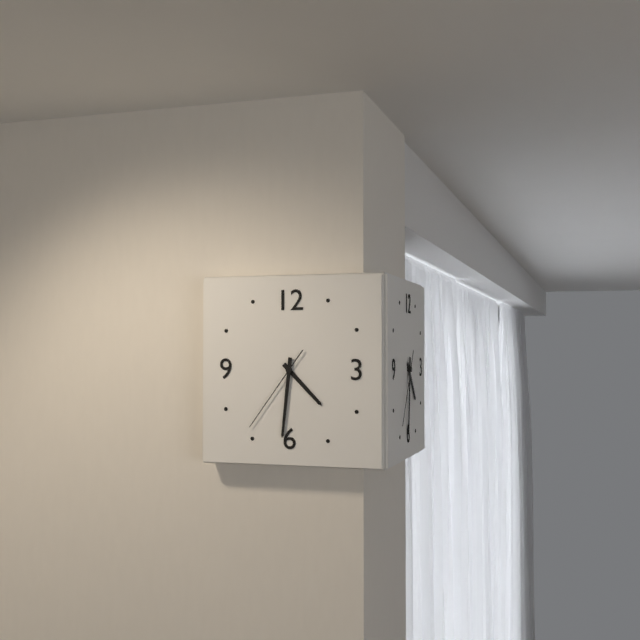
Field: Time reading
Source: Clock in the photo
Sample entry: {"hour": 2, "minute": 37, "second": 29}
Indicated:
{"hour": 4, "minute": 31, "second": 36}
